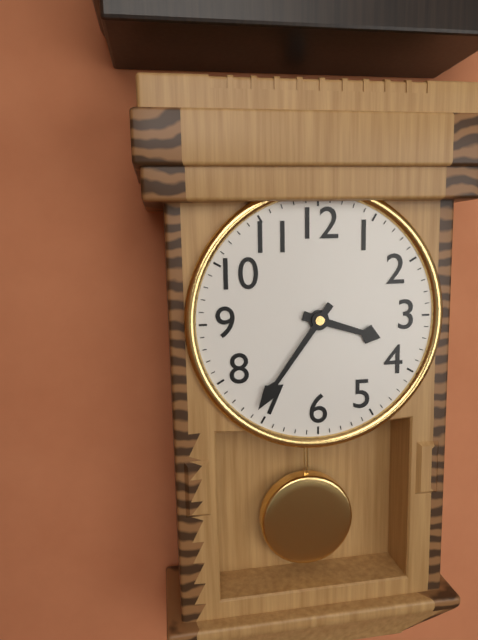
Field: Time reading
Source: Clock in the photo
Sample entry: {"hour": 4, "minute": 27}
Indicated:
{"hour": 3, "minute": 36}
